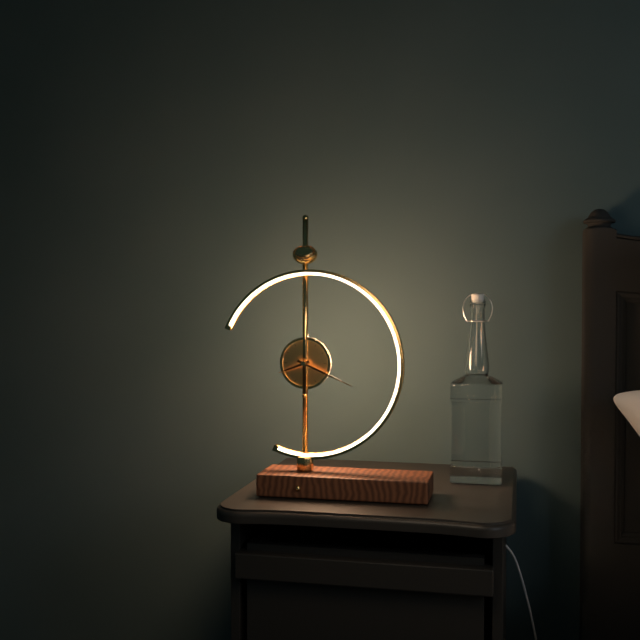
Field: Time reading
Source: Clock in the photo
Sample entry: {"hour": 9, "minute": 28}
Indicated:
{"hour": 8, "minute": 19}
